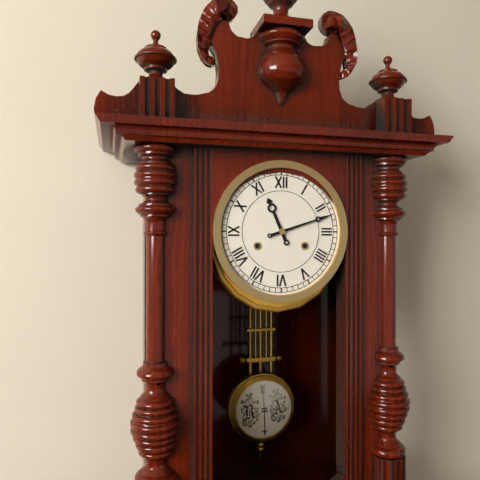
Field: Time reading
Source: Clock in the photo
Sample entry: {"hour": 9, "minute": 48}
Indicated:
{"hour": 11, "minute": 12}
